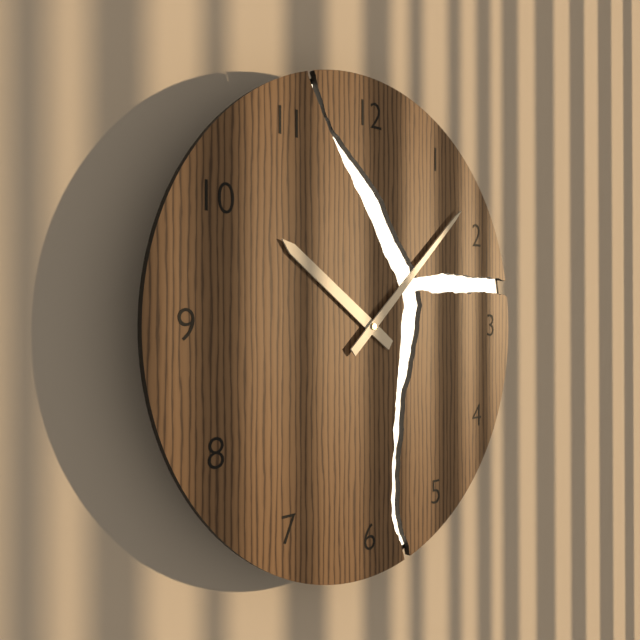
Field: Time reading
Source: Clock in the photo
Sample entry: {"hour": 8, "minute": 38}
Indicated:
{"hour": 10, "minute": 8}
